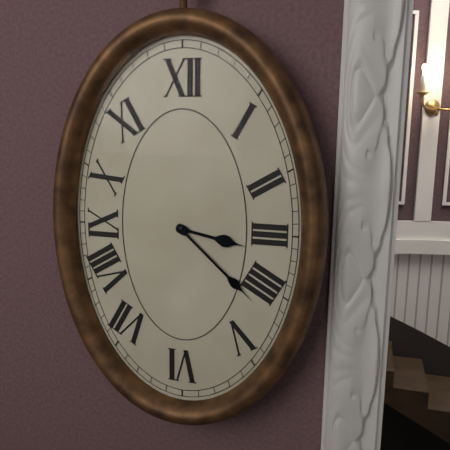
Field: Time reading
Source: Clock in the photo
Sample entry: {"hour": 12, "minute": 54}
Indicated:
{"hour": 3, "minute": 22}
